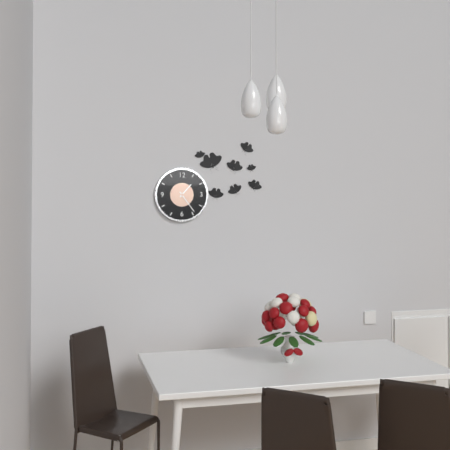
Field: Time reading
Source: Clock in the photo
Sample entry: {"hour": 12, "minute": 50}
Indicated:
{"hour": 1, "minute": 24}
